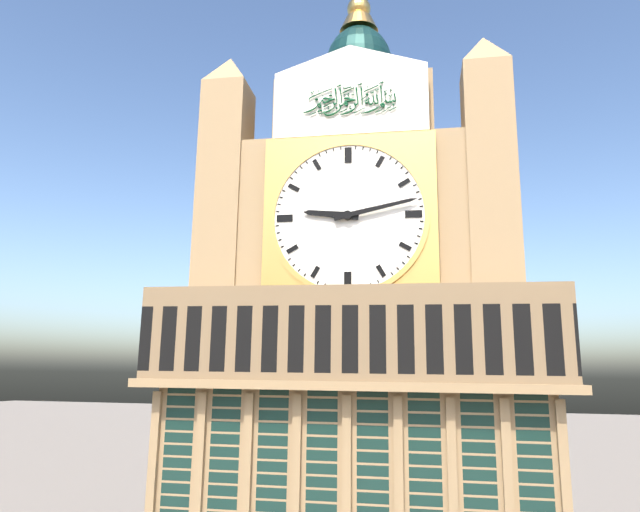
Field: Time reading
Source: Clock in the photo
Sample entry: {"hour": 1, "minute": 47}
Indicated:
{"hour": 9, "minute": 13}
